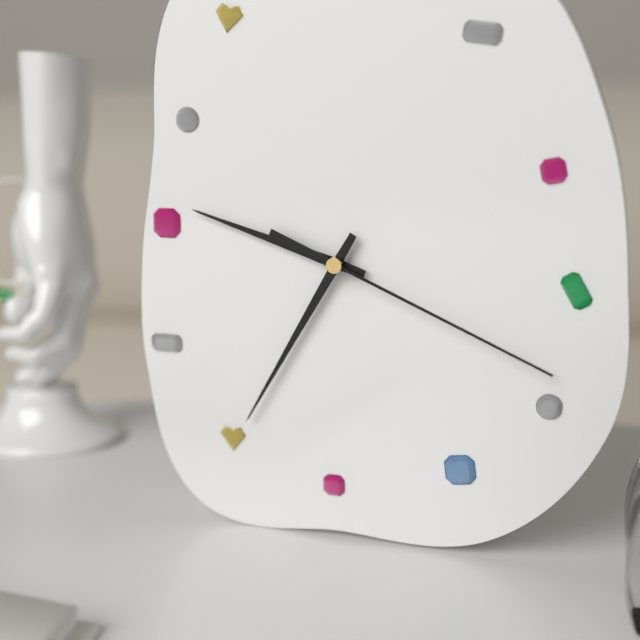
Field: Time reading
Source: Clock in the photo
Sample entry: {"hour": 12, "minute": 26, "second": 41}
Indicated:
{"hour": 9, "minute": 35, "second": 19}
